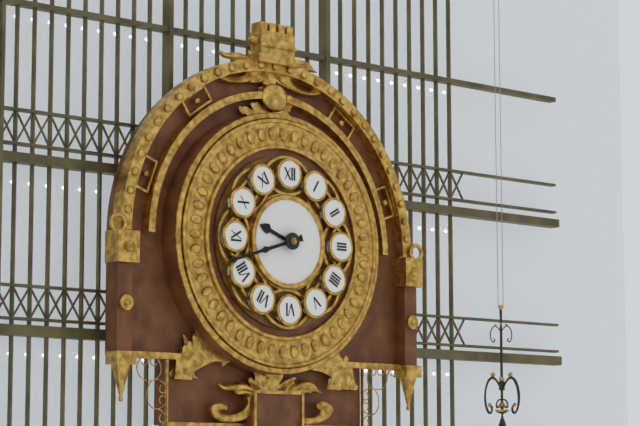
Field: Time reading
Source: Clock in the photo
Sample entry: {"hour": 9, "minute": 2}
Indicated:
{"hour": 9, "minute": 42}
